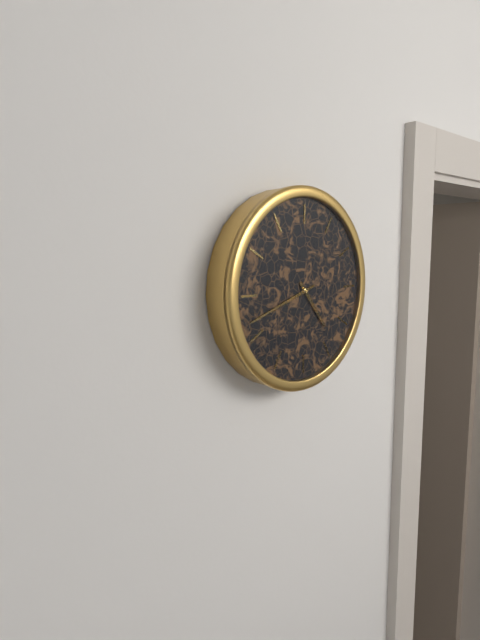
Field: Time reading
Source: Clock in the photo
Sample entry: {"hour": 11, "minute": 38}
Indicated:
{"hour": 4, "minute": 42}
